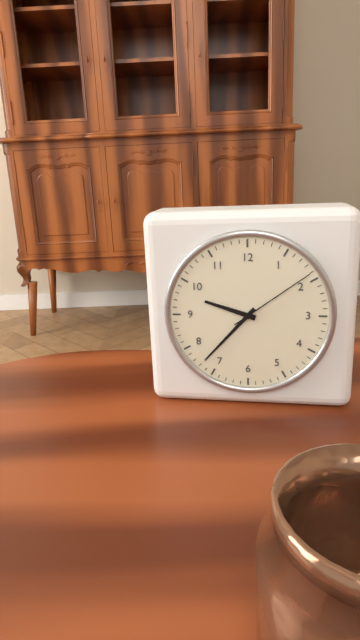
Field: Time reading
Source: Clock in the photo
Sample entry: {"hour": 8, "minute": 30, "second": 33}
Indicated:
{"hour": 9, "minute": 37, "second": 9}
